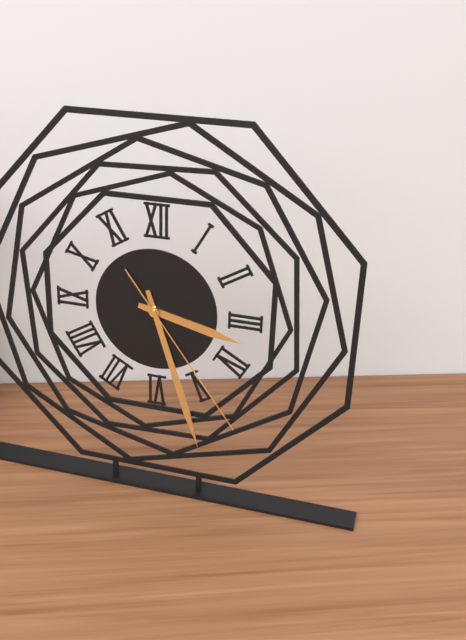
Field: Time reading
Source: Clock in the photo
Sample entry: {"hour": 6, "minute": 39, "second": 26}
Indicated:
{"hour": 3, "minute": 27, "second": 24}
